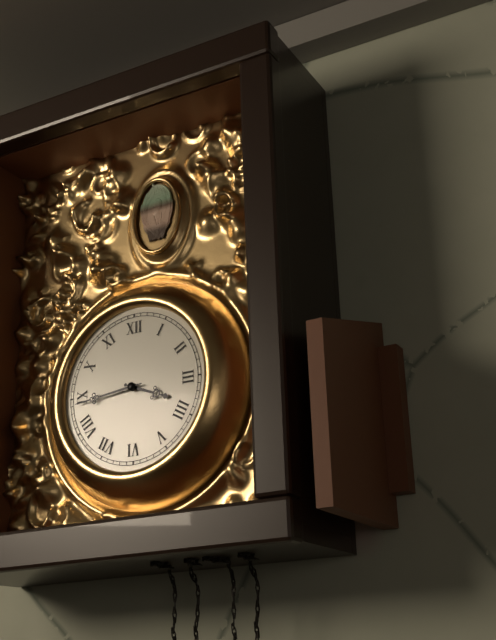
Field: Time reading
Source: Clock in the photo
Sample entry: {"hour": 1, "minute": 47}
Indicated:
{"hour": 3, "minute": 44}
